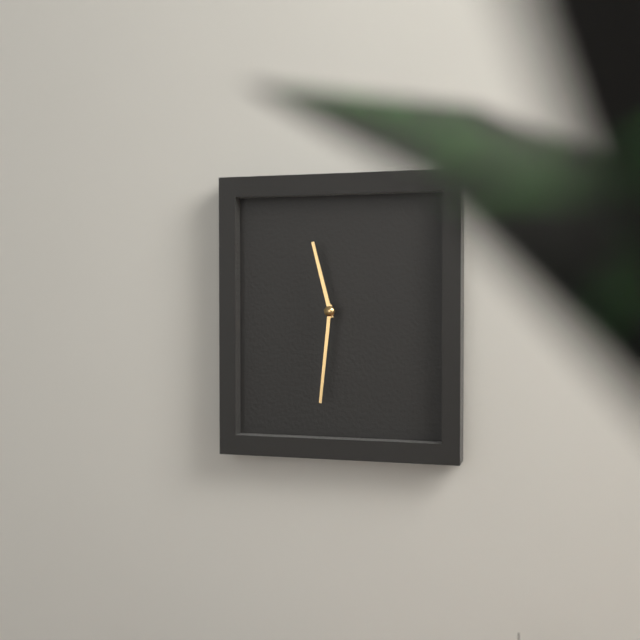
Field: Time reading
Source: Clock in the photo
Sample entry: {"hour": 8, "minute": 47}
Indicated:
{"hour": 11, "minute": 31}
